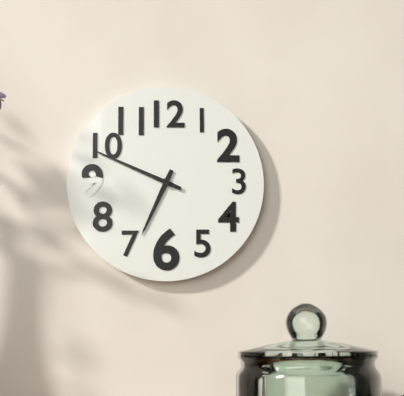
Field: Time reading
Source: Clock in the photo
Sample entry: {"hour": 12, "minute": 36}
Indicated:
{"hour": 6, "minute": 49}
